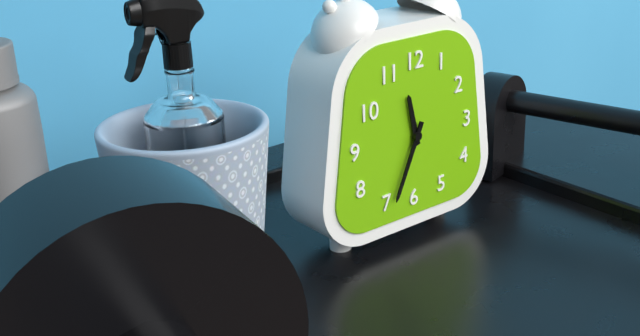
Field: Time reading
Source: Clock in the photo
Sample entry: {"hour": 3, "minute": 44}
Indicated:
{"hour": 11, "minute": 34}
